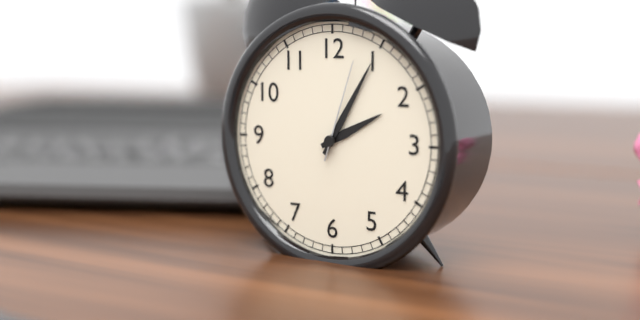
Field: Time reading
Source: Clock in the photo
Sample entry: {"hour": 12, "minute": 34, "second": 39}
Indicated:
{"hour": 2, "minute": 5, "second": 3}
